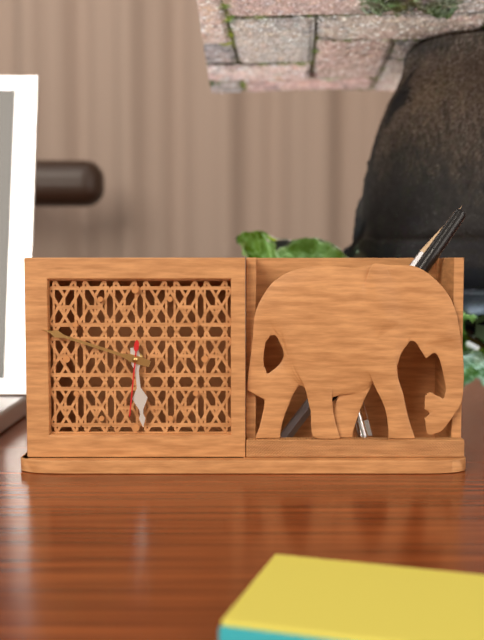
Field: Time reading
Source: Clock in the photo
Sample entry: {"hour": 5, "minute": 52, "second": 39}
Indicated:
{"hour": 5, "minute": 48, "second": 31}
